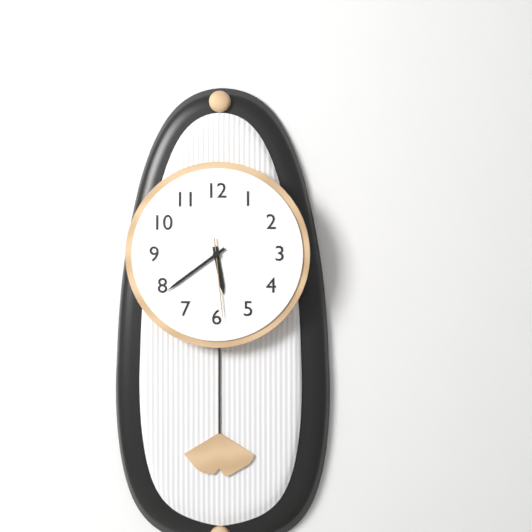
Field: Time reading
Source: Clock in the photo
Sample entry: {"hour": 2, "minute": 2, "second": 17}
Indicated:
{"hour": 5, "minute": 39, "second": 29}
